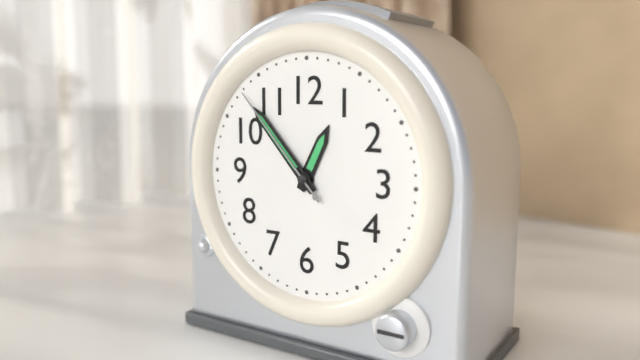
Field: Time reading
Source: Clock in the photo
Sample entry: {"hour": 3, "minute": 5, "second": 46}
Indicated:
{"hour": 12, "minute": 53, "second": 53}
